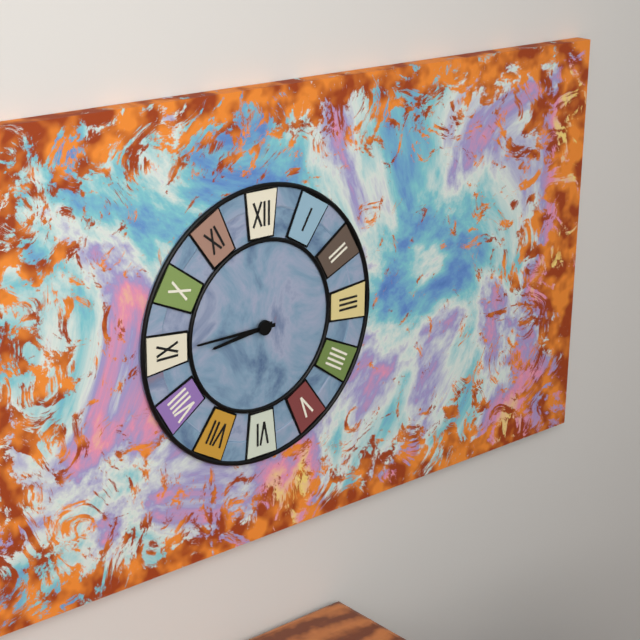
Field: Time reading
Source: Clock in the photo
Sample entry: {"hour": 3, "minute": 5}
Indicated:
{"hour": 8, "minute": 45}
